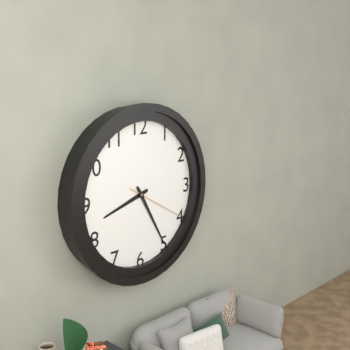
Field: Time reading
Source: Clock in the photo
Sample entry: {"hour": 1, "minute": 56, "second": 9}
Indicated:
{"hour": 8, "minute": 25, "second": 20}
